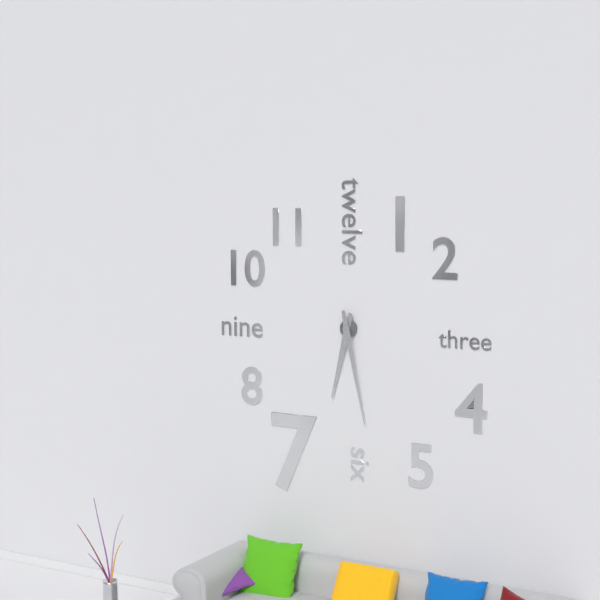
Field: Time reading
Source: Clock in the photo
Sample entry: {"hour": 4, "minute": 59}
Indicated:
{"hour": 6, "minute": 28}
